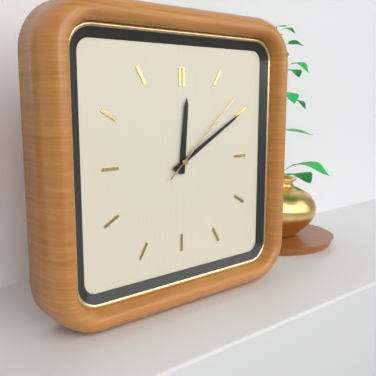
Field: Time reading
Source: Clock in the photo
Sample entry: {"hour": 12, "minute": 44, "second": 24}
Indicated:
{"hour": 12, "minute": 10, "second": 8}
